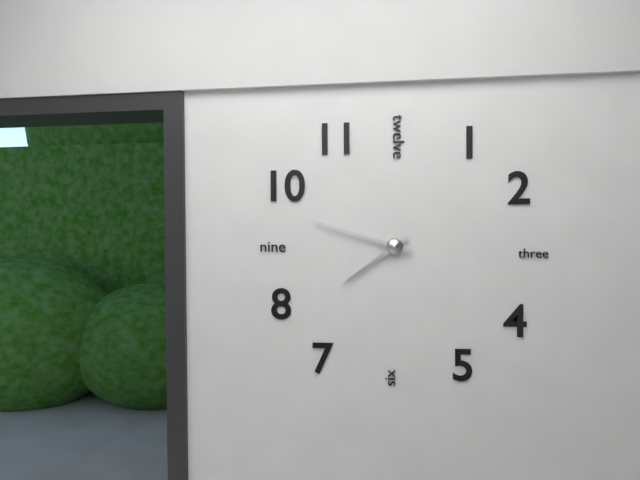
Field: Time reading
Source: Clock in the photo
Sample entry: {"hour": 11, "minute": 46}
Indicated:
{"hour": 7, "minute": 48}
